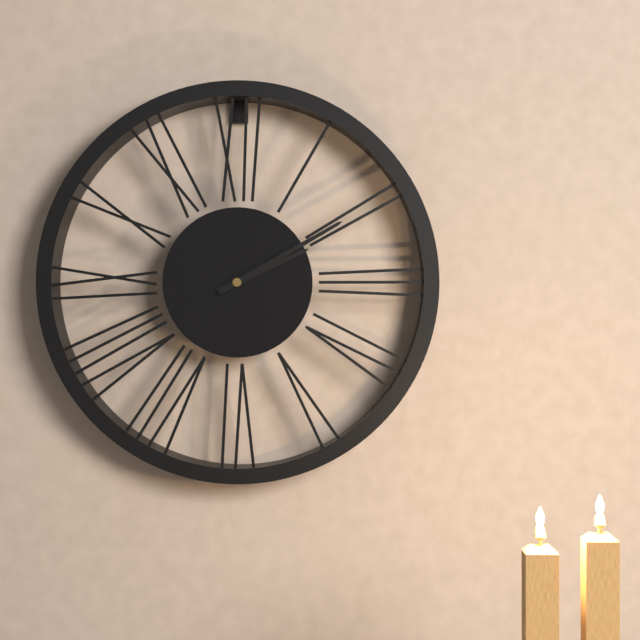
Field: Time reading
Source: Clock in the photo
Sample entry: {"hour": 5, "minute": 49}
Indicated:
{"hour": 2, "minute": 10}
